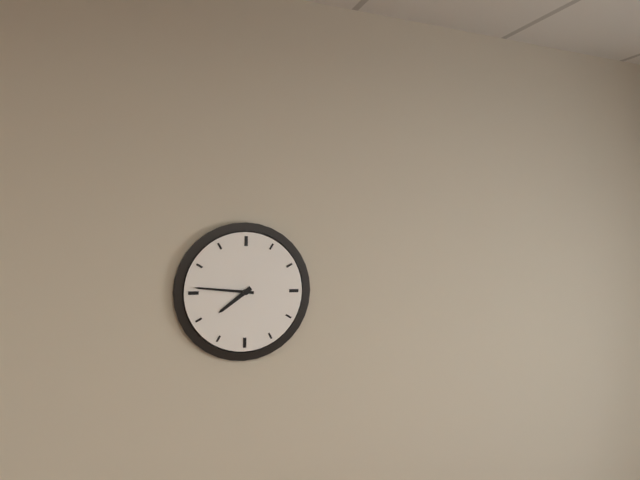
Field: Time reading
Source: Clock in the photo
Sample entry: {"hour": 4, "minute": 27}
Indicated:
{"hour": 7, "minute": 46}
